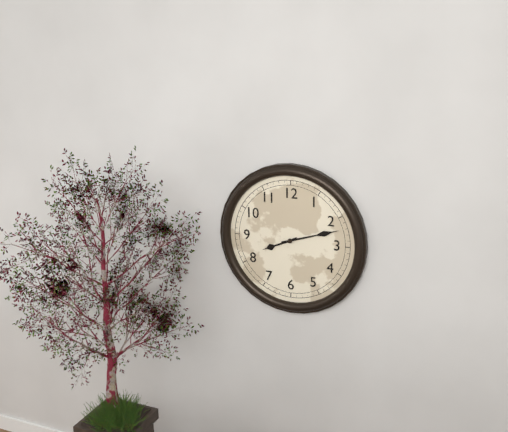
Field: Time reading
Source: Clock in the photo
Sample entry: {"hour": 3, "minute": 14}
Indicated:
{"hour": 8, "minute": 12}
